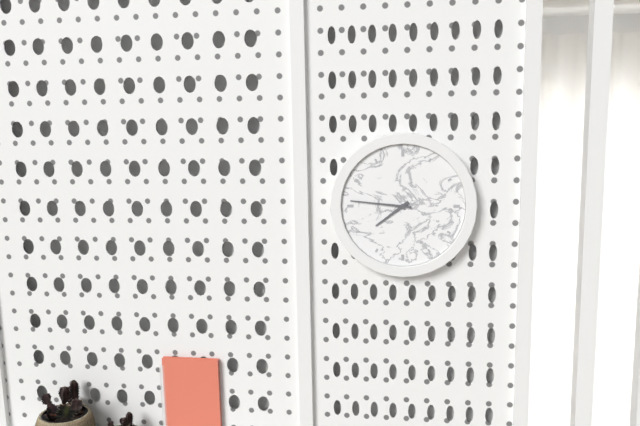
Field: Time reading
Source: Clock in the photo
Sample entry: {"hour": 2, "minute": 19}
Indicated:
{"hour": 7, "minute": 46}
